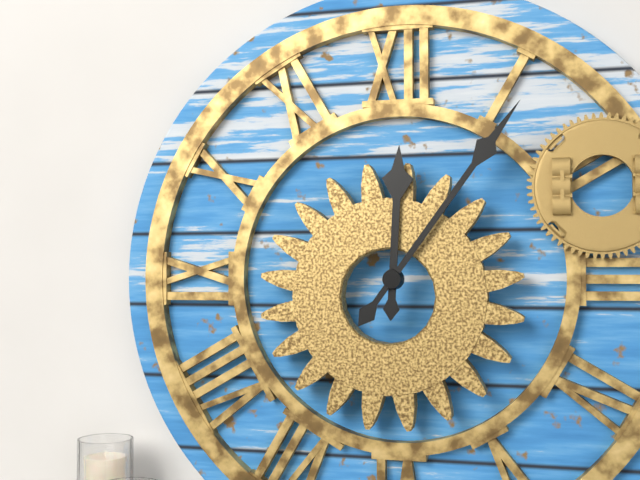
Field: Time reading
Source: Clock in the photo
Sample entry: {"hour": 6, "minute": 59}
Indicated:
{"hour": 12, "minute": 6}
